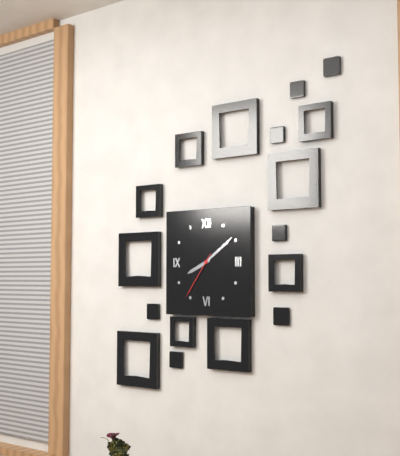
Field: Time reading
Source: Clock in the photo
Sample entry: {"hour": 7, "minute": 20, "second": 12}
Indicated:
{"hour": 8, "minute": 9, "second": 36}
